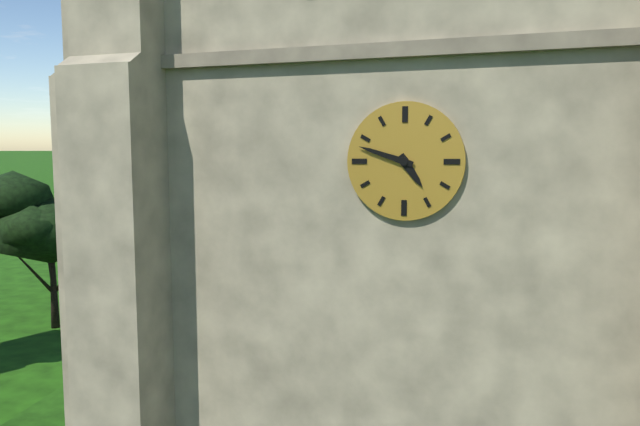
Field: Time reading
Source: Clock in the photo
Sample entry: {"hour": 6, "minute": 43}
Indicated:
{"hour": 4, "minute": 48}
